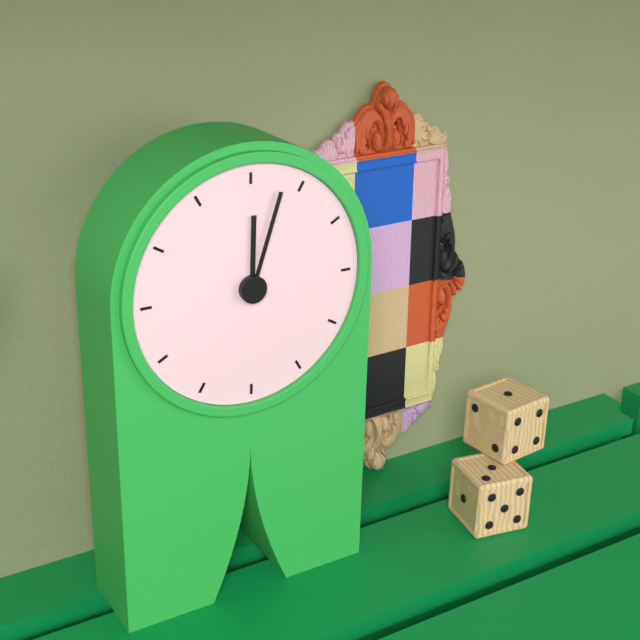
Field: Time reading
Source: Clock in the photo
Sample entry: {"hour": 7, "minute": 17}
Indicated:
{"hour": 12, "minute": 3}
